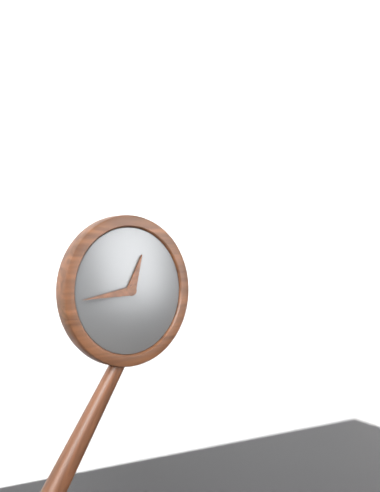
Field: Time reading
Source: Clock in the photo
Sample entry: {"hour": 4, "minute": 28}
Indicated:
{"hour": 12, "minute": 44}
